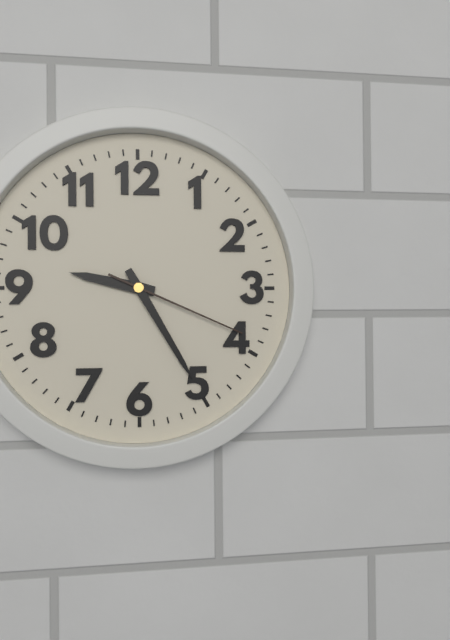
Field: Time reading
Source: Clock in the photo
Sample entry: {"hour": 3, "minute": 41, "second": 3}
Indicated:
{"hour": 9, "minute": 25, "second": 19}
